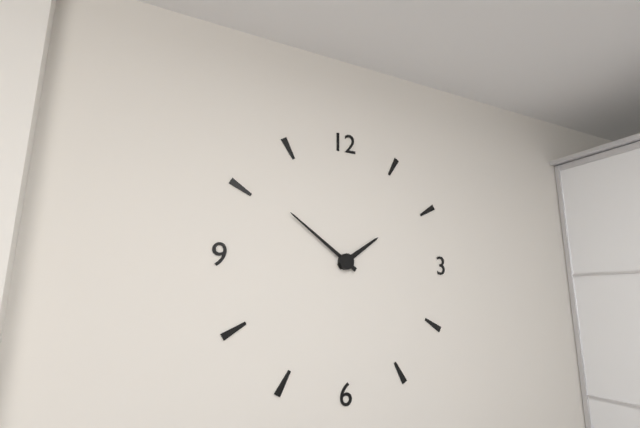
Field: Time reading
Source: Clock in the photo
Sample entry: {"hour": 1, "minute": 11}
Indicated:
{"hour": 1, "minute": 51}
